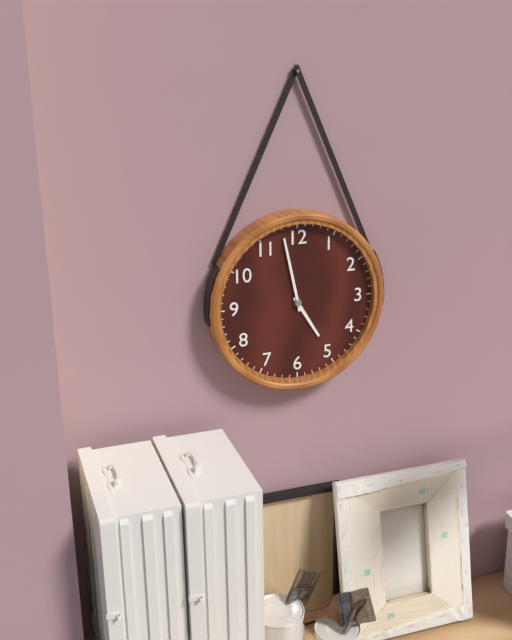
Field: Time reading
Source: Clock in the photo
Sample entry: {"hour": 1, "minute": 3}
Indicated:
{"hour": 4, "minute": 58}
